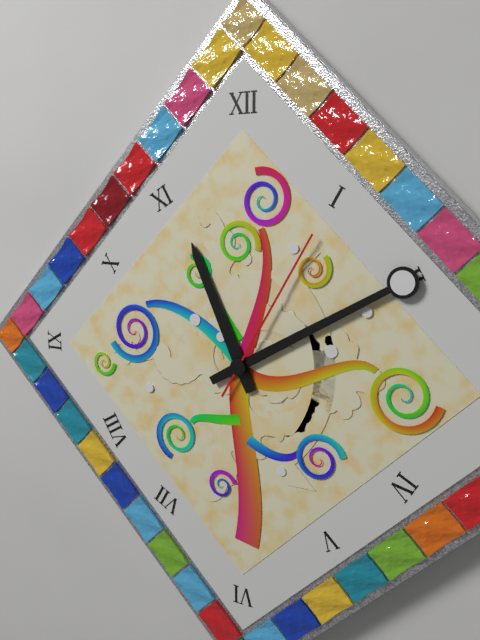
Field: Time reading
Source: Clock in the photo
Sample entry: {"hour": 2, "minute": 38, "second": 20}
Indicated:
{"hour": 11, "minute": 10, "second": 5}
